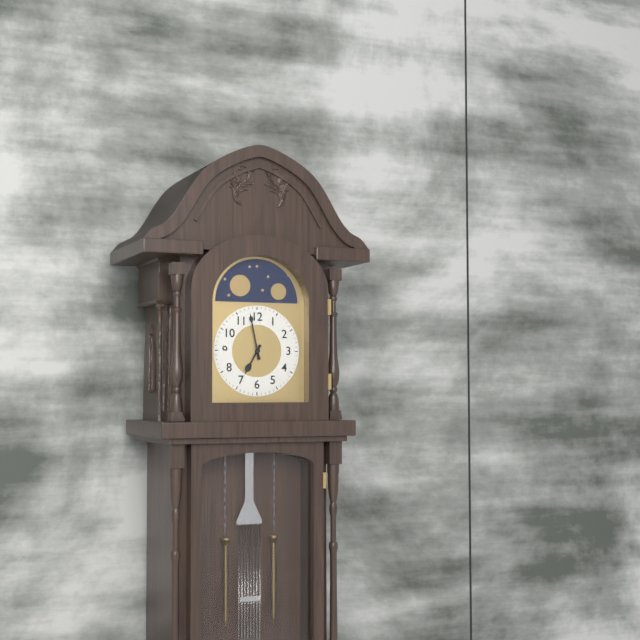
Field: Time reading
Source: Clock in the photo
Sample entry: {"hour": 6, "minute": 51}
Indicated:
{"hour": 6, "minute": 58}
